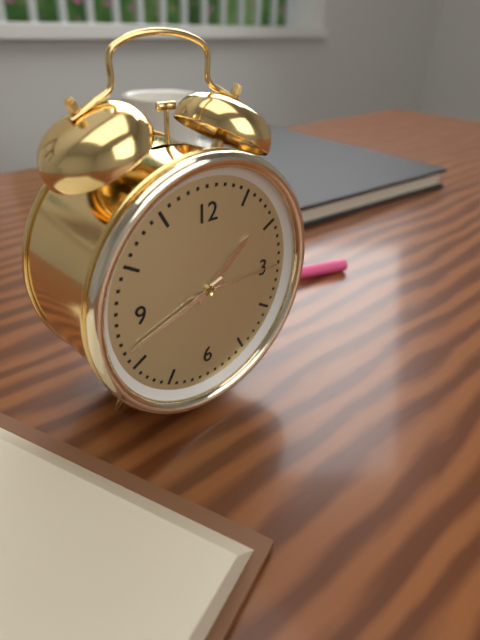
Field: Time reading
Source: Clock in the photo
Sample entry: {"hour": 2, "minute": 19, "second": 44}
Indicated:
{"hour": 1, "minute": 42, "second": 15}
